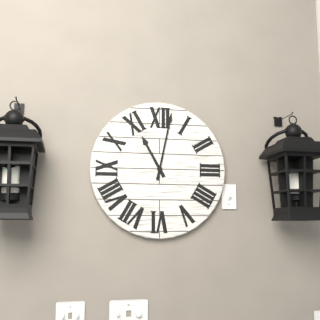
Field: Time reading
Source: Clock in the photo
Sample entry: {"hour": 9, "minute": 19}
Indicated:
{"hour": 11, "minute": 2}
